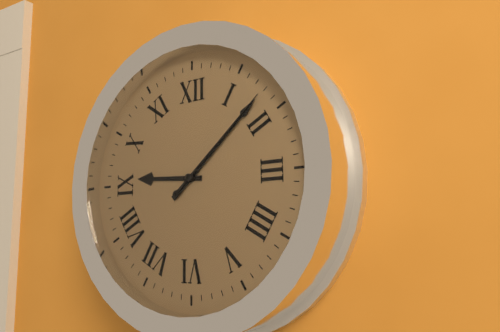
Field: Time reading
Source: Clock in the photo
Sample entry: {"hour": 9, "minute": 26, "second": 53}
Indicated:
{"hour": 9, "minute": 8, "second": 8}
